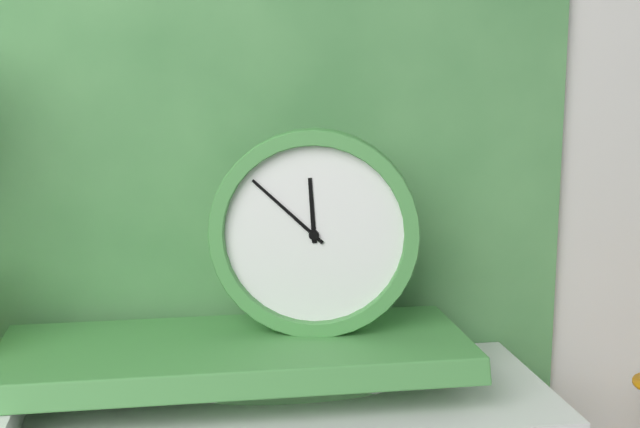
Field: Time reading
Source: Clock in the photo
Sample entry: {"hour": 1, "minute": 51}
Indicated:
{"hour": 11, "minute": 52}
